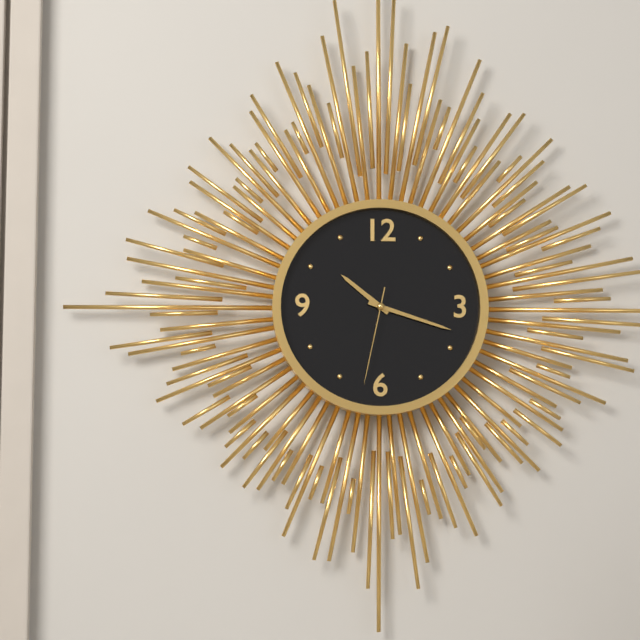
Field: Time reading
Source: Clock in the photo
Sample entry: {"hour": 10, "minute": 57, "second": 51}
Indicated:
{"hour": 10, "minute": 18, "second": 32}
